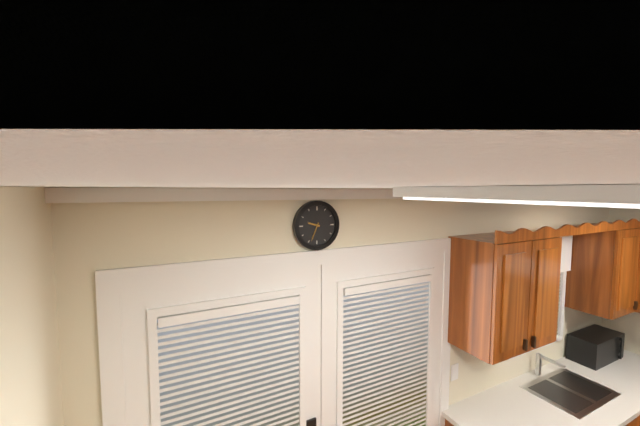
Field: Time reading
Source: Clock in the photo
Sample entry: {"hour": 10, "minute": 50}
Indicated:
{"hour": 9, "minute": 34}
